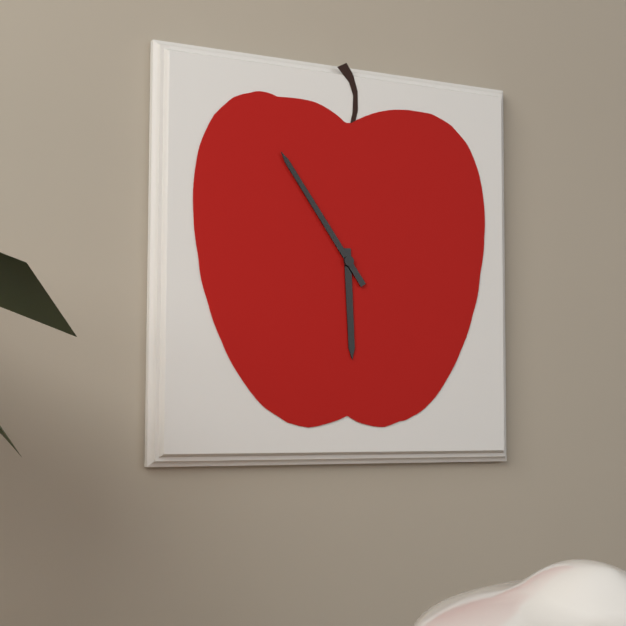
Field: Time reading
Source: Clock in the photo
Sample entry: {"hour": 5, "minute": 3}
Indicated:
{"hour": 5, "minute": 54}
